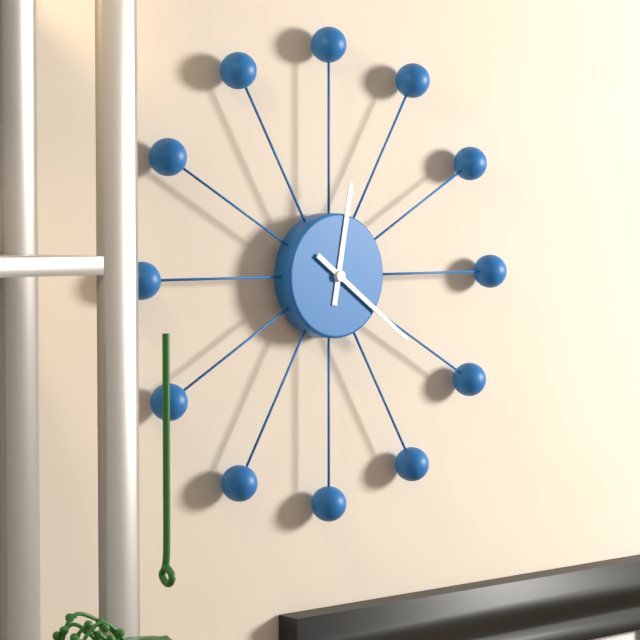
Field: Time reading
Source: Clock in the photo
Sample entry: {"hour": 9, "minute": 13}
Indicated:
{"hour": 12, "minute": 21}
